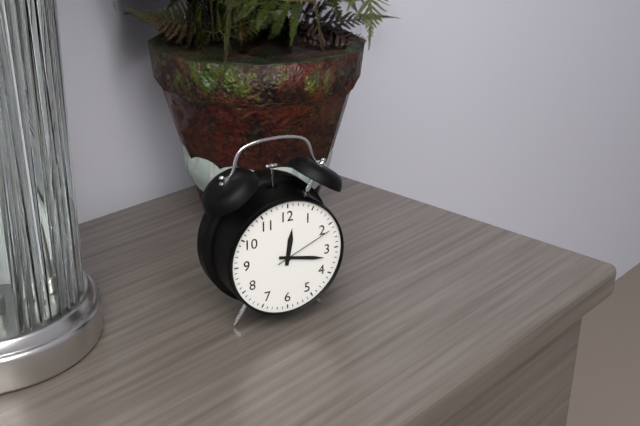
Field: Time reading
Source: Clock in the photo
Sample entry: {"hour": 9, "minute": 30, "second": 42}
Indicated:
{"hour": 12, "minute": 17, "second": 11}
